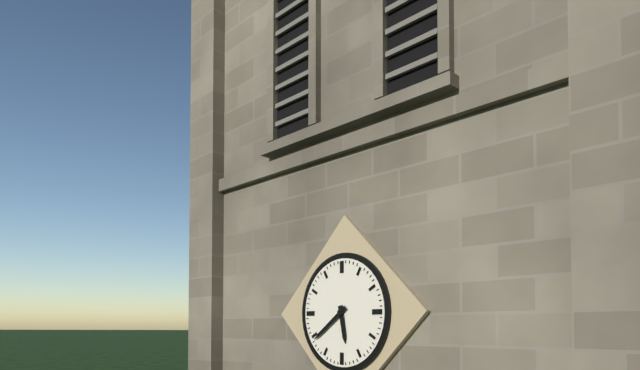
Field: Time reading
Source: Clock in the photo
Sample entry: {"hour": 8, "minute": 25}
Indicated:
{"hour": 5, "minute": 39}
